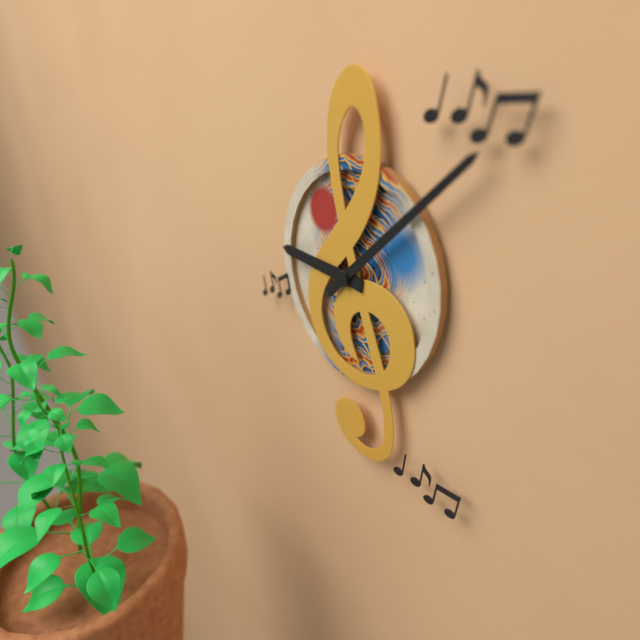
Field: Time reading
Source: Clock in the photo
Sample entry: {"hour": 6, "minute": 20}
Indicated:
{"hour": 9, "minute": 8}
